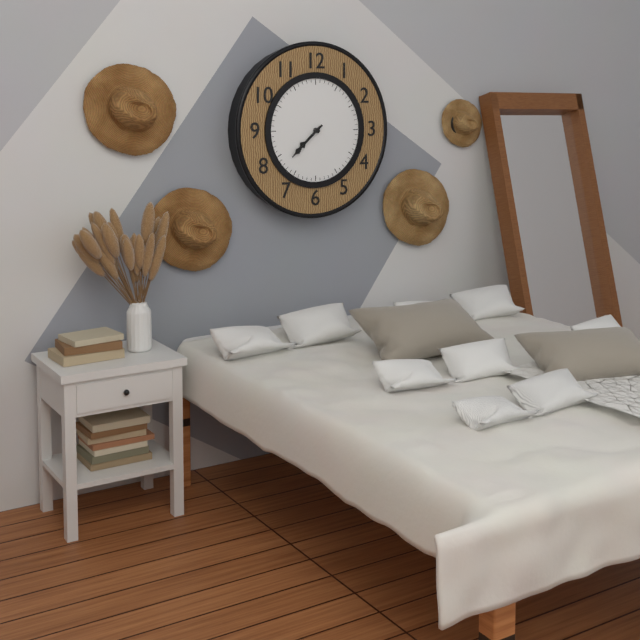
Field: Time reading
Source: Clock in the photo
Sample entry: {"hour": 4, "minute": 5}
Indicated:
{"hour": 7, "minute": 38}
